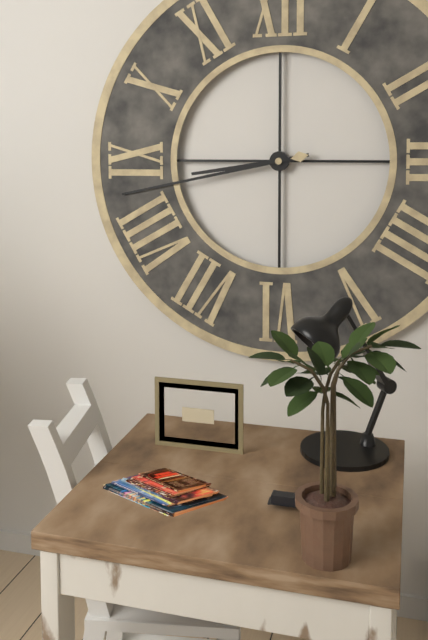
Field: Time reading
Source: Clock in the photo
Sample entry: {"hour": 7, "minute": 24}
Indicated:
{"hour": 8, "minute": 43}
